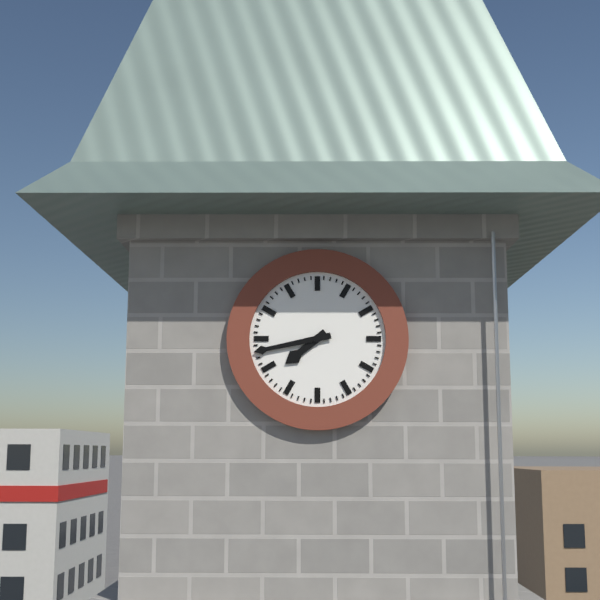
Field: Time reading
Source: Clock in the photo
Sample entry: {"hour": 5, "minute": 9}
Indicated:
{"hour": 7, "minute": 43}
